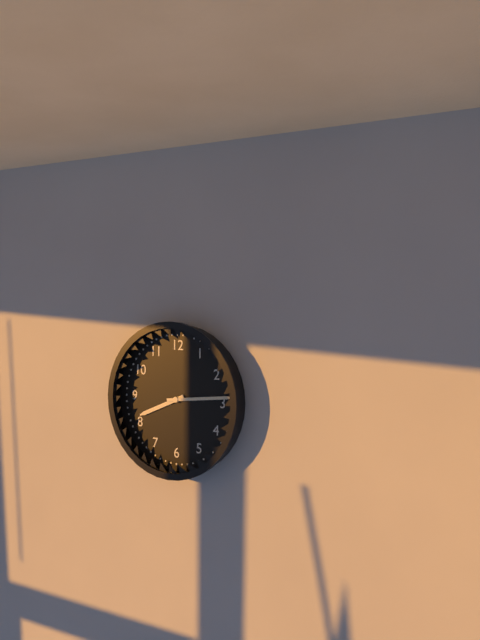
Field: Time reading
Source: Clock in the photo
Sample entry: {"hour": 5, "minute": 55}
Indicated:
{"hour": 8, "minute": 14}
